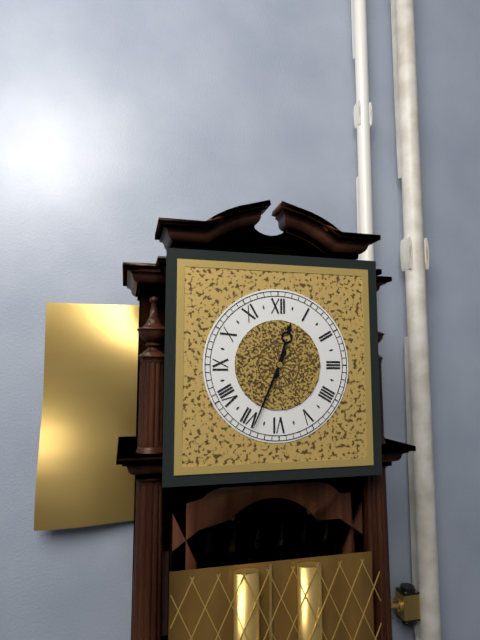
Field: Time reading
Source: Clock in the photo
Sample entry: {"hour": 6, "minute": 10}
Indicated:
{"hour": 12, "minute": 34}
